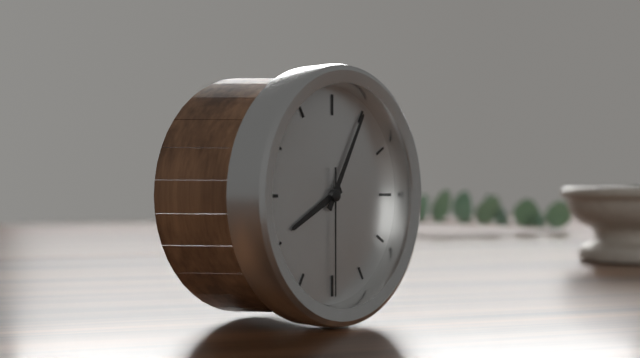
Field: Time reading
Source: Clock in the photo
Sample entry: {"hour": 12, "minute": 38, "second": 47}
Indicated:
{"hour": 8, "minute": 5, "second": 30}
